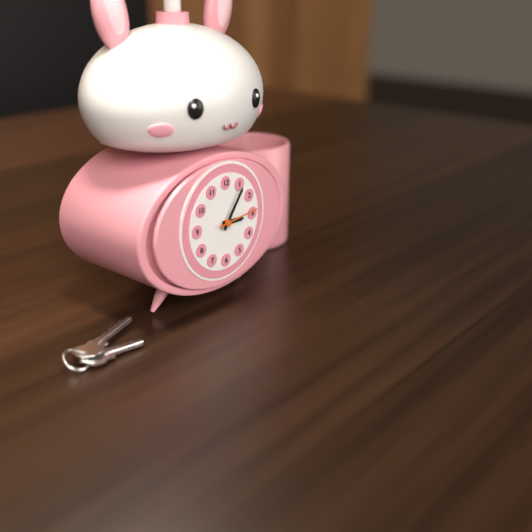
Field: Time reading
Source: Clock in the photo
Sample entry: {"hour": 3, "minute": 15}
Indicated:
{"hour": 3, "minute": 6}
